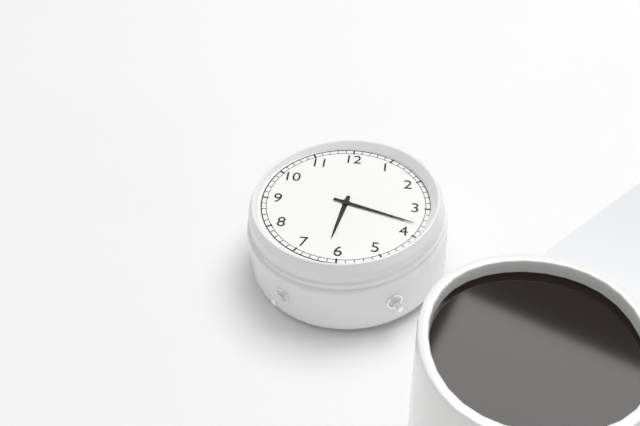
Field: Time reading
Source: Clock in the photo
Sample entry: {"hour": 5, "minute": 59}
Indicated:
{"hour": 6, "minute": 18}
